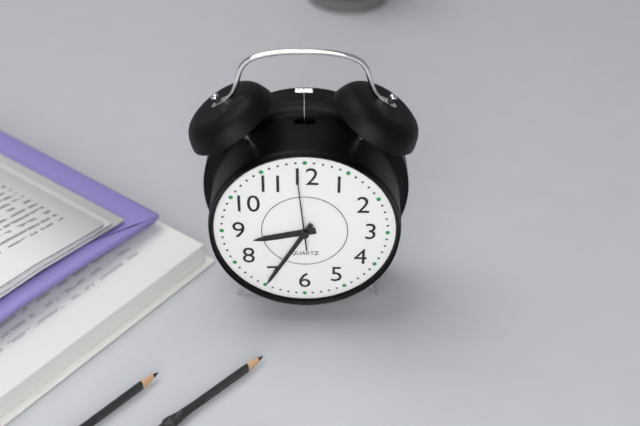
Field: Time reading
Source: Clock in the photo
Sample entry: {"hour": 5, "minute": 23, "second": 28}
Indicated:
{"hour": 8, "minute": 35, "second": 59}
